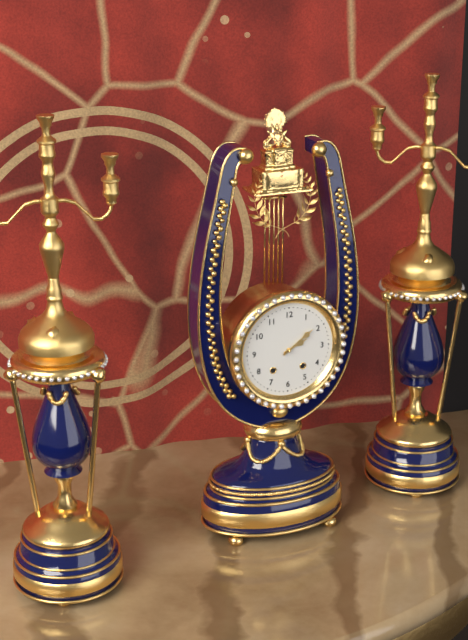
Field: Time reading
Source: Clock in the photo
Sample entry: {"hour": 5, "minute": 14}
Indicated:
{"hour": 2, "minute": 9}
